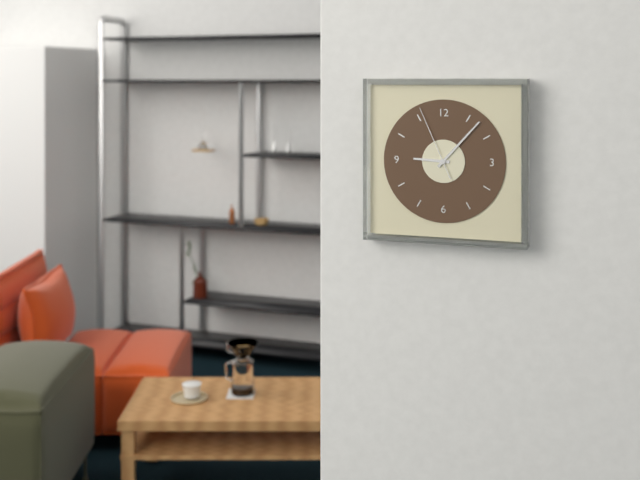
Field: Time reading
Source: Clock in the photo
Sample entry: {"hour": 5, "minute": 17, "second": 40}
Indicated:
{"hour": 9, "minute": 7, "second": 56}
